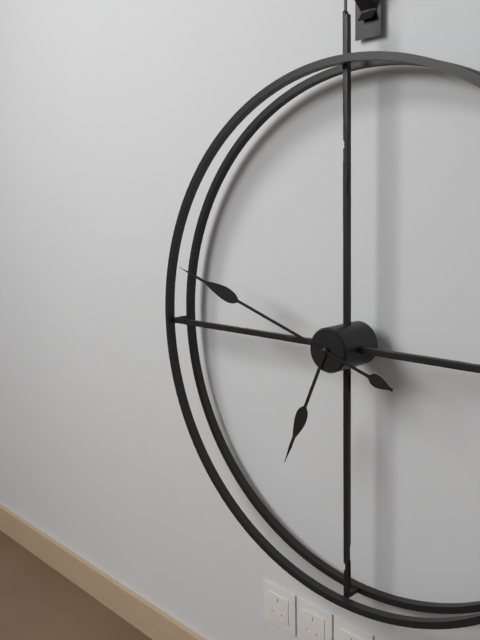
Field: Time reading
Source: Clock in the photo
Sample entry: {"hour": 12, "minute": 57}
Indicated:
{"hour": 6, "minute": 48}
